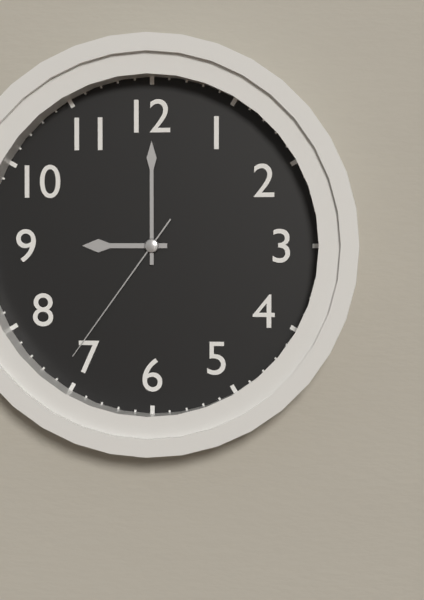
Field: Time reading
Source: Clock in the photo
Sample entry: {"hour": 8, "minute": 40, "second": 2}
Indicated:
{"hour": 9, "minute": 0, "second": 36}
